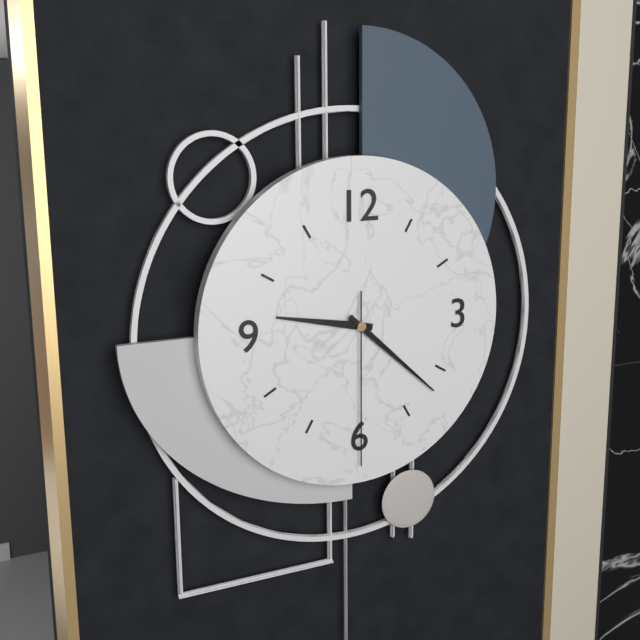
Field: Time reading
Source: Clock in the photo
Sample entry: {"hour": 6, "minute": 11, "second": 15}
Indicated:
{"hour": 9, "minute": 22, "second": 30}
